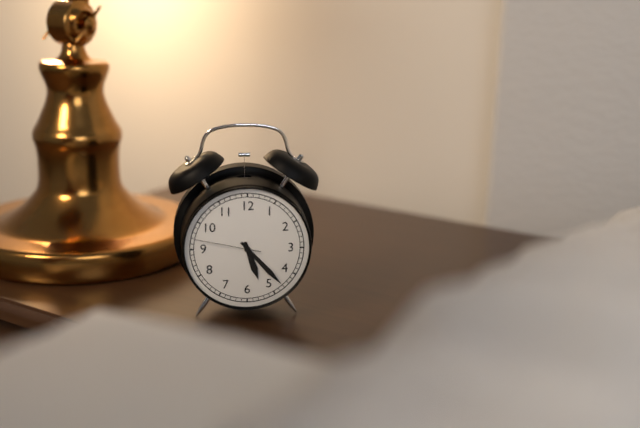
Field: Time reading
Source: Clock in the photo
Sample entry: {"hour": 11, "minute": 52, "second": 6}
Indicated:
{"hour": 5, "minute": 23, "second": 47}
